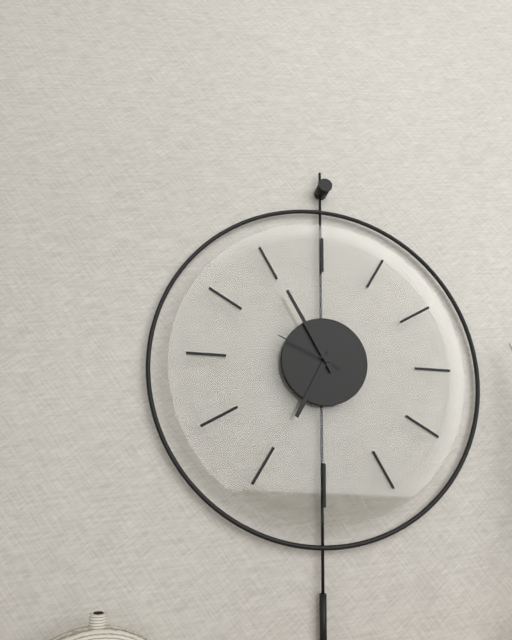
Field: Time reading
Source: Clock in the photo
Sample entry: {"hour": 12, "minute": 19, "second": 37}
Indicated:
{"hour": 6, "minute": 55, "second": 49}
